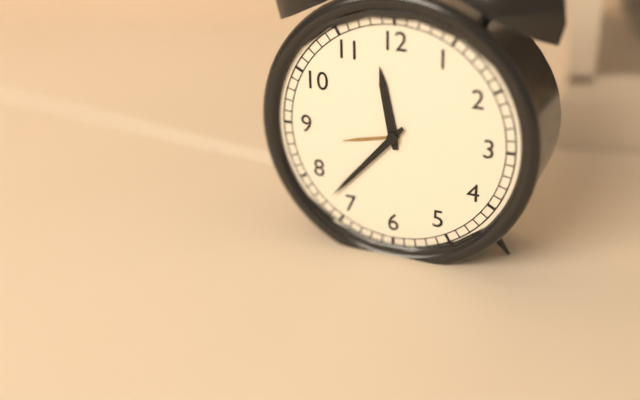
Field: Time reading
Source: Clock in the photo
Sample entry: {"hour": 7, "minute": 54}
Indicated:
{"hour": 11, "minute": 37}
